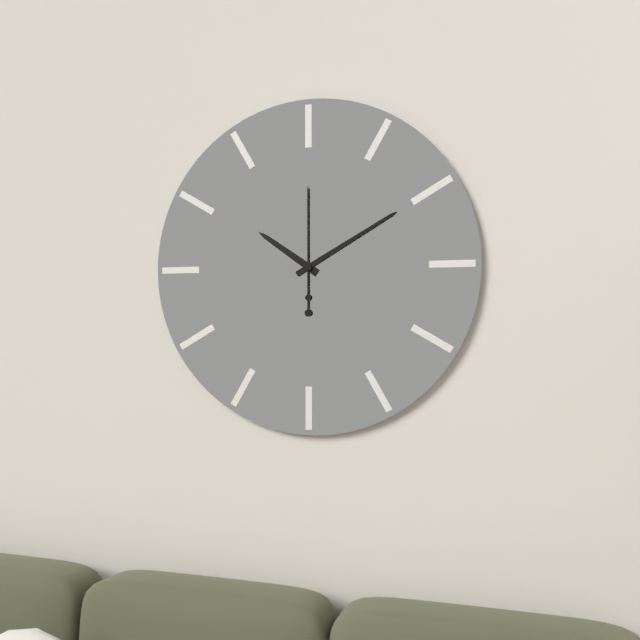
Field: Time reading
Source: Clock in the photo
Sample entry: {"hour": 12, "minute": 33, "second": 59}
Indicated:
{"hour": 10, "minute": 10, "second": 0}
